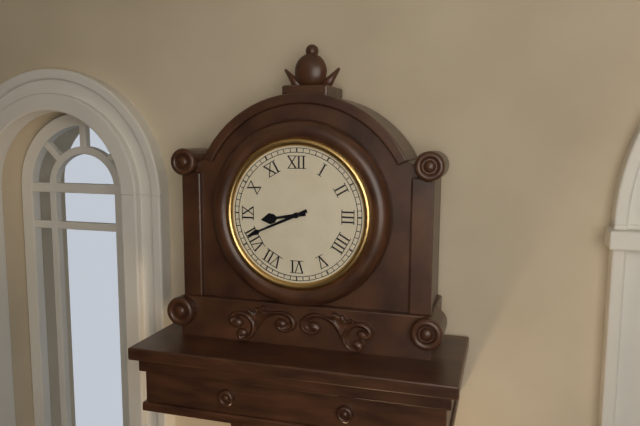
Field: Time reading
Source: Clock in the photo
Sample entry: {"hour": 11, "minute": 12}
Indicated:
{"hour": 8, "minute": 41}
